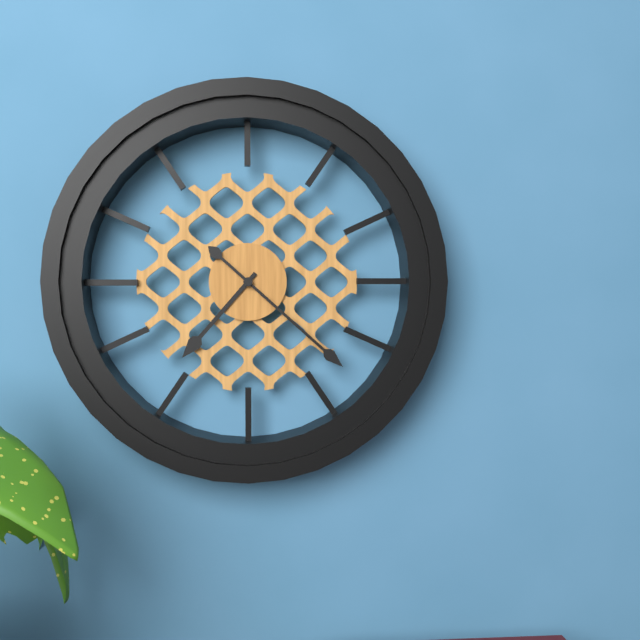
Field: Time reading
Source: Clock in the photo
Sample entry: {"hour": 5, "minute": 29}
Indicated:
{"hour": 7, "minute": 22}
